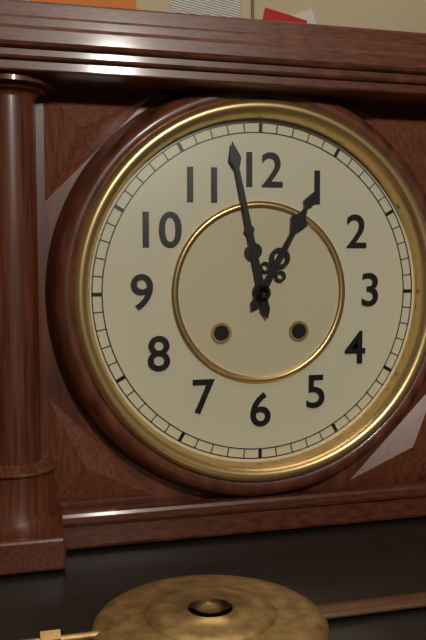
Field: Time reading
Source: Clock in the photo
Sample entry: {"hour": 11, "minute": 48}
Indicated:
{"hour": 12, "minute": 58}
